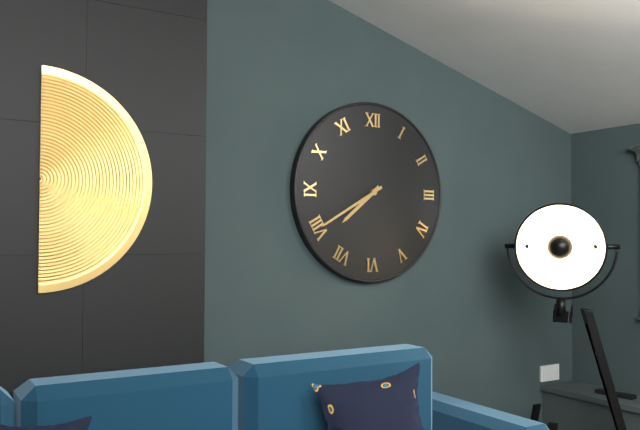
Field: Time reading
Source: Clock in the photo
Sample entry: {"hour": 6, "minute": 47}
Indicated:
{"hour": 7, "minute": 40}
